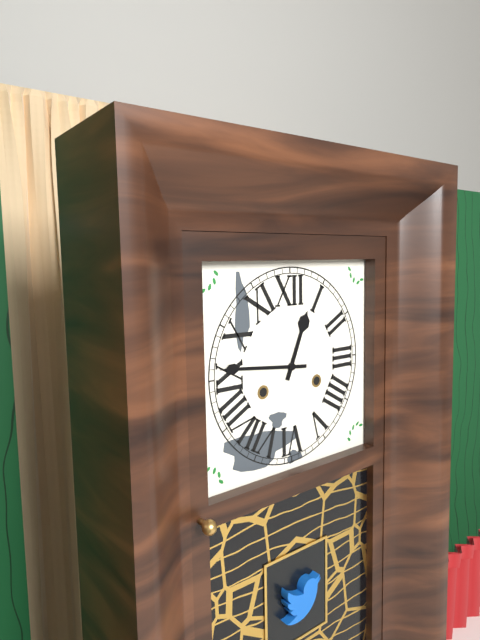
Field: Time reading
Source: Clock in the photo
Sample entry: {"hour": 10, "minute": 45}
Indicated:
{"hour": 12, "minute": 46}
